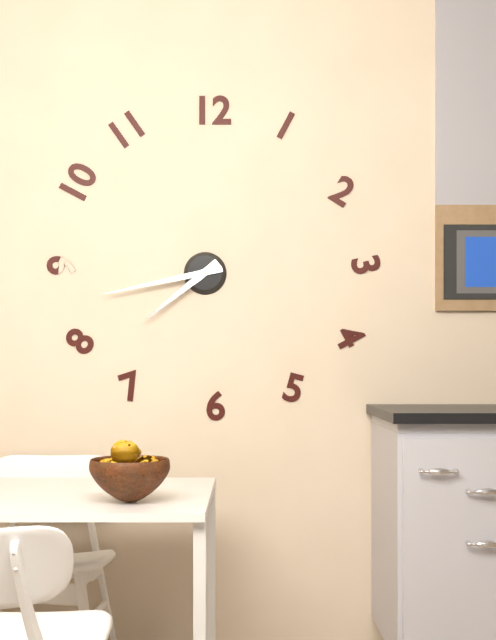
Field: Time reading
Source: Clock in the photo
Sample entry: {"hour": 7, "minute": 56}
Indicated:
{"hour": 7, "minute": 43}
